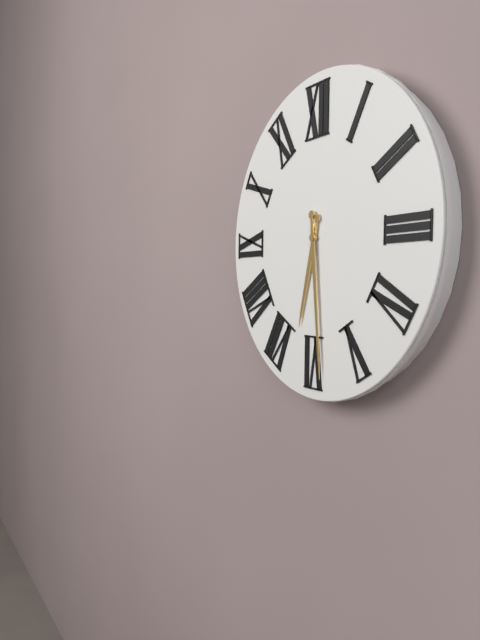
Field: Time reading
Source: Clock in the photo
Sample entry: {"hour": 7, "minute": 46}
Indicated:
{"hour": 6, "minute": 29}
